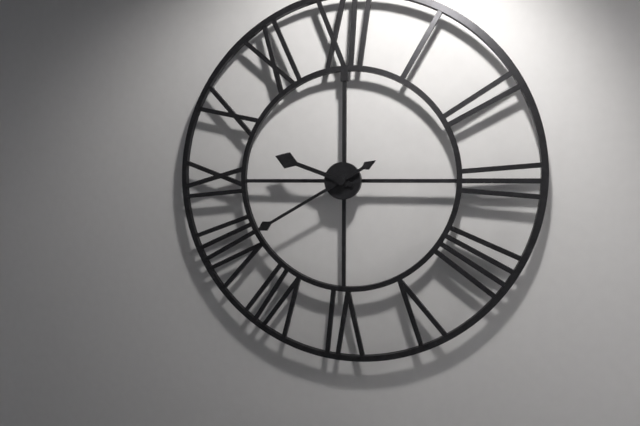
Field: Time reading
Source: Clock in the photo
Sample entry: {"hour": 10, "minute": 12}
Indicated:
{"hour": 9, "minute": 40}
